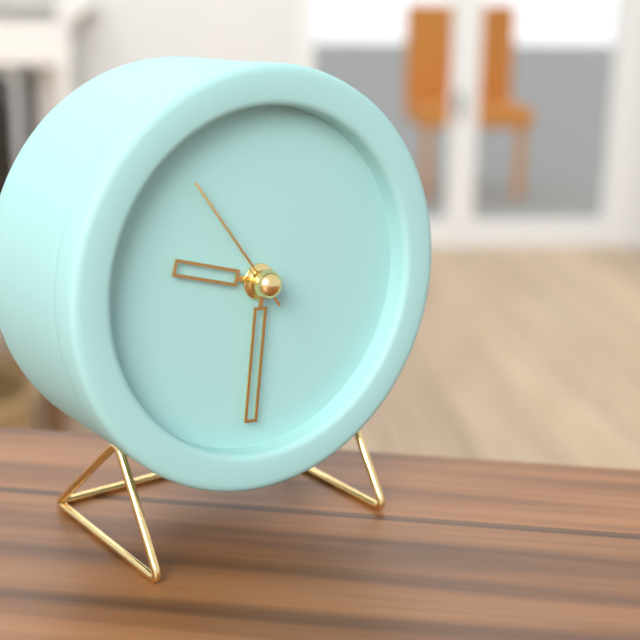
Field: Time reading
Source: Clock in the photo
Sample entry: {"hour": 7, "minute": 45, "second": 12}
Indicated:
{"hour": 9, "minute": 31, "second": 54}
